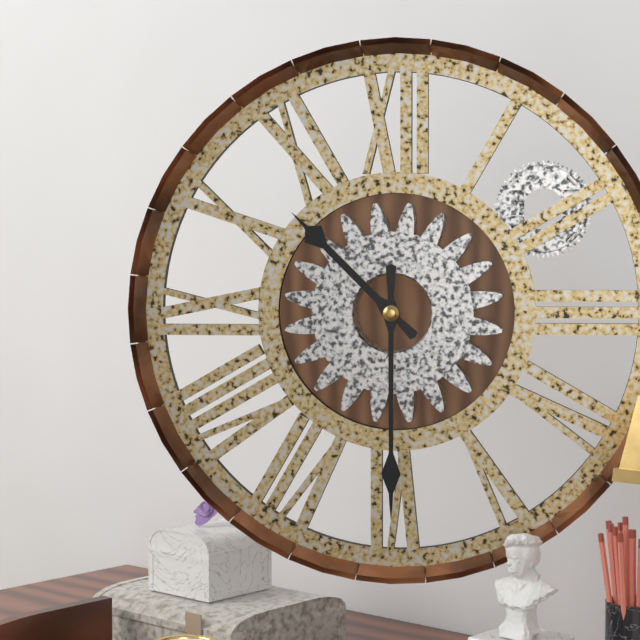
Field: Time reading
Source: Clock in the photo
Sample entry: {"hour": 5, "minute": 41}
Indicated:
{"hour": 10, "minute": 30}
